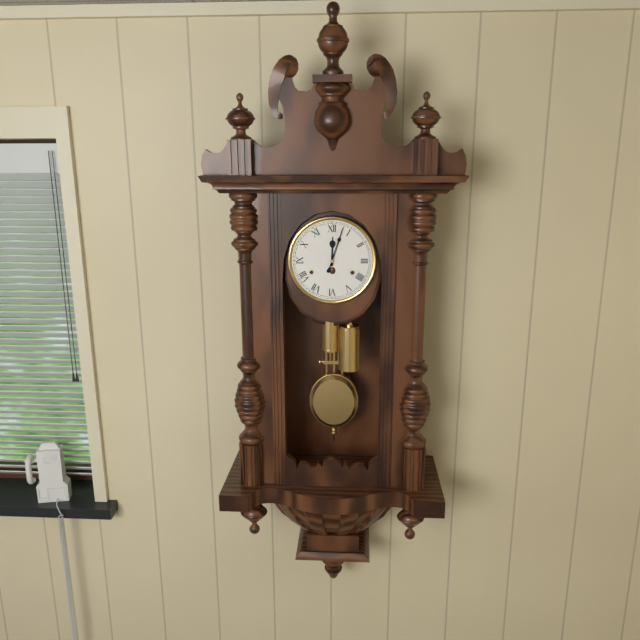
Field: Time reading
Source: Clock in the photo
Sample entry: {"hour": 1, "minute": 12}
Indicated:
{"hour": 12, "minute": 3}
